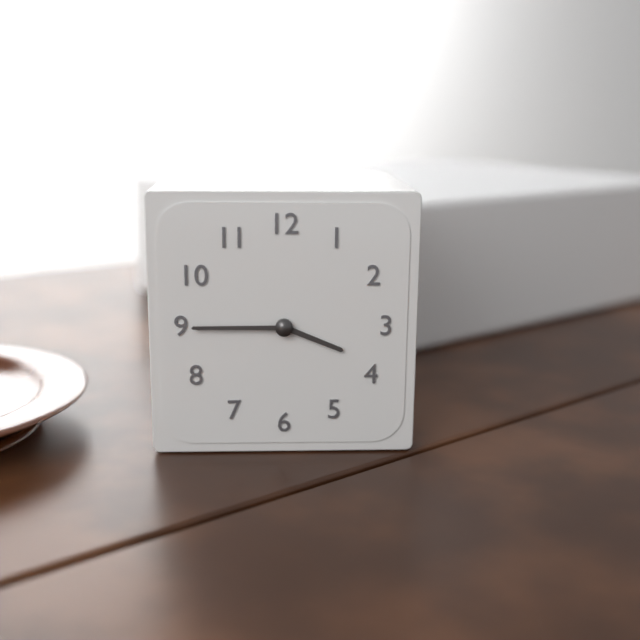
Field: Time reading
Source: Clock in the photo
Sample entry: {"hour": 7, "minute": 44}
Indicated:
{"hour": 3, "minute": 45}
